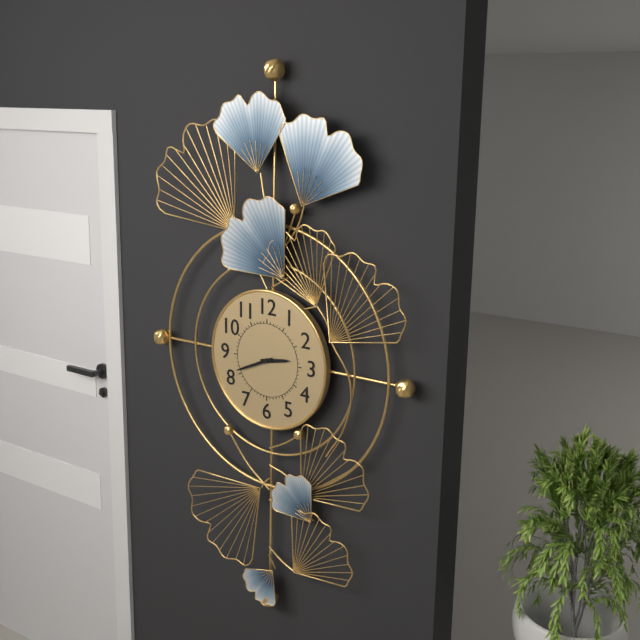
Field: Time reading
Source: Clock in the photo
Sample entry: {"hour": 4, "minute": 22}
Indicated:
{"hour": 2, "minute": 41}
